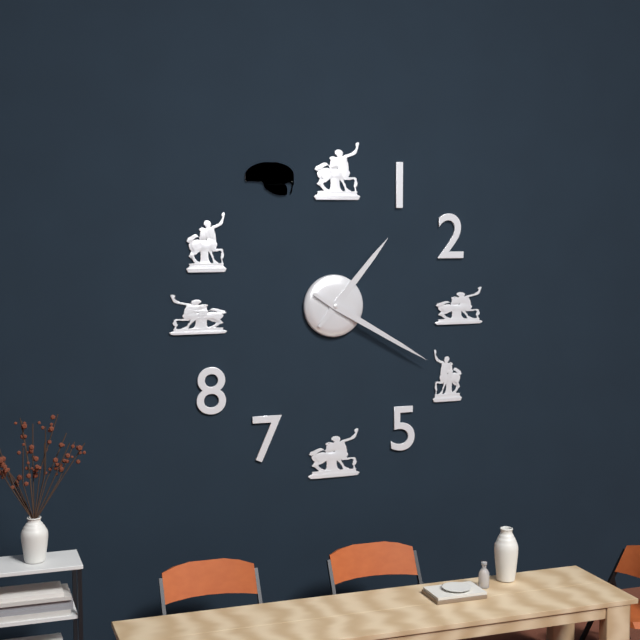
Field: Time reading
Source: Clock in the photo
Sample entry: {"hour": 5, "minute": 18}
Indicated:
{"hour": 1, "minute": 20}
